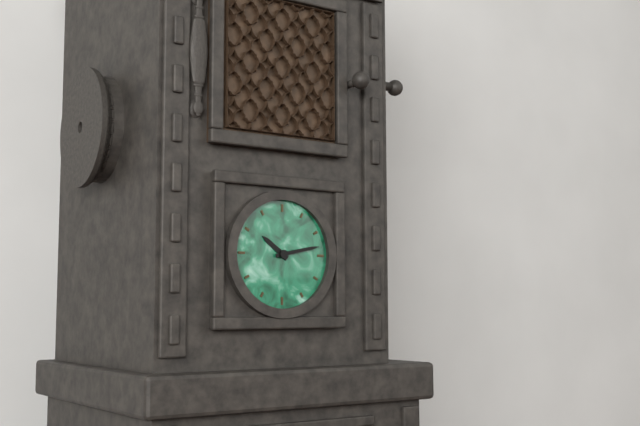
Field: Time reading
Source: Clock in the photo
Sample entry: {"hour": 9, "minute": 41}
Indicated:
{"hour": 10, "minute": 13}
